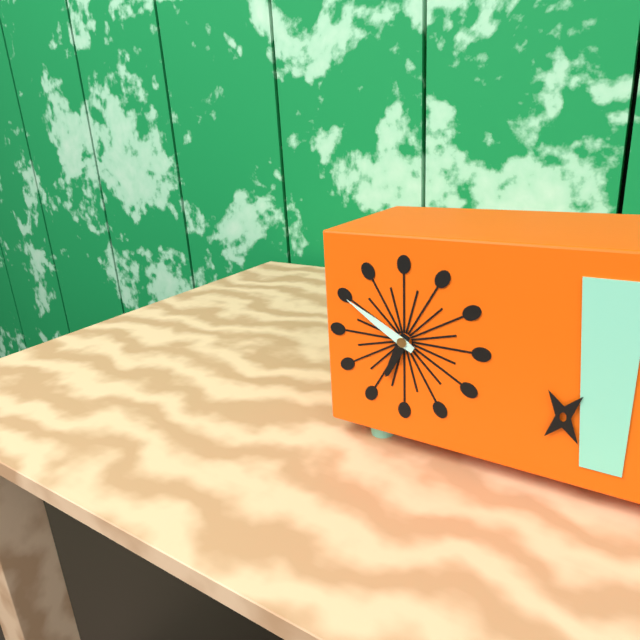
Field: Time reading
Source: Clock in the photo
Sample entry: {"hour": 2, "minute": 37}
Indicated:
{"hour": 6, "minute": 50}
